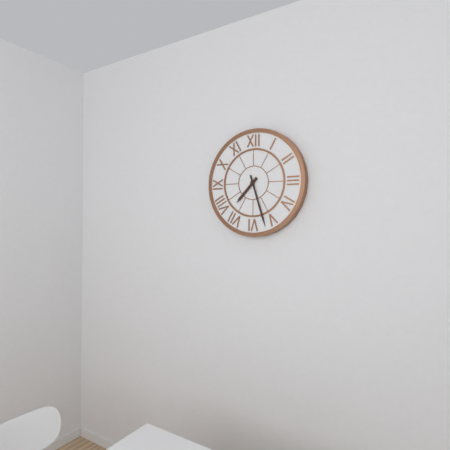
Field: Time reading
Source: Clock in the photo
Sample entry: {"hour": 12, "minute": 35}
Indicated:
{"hour": 7, "minute": 27}
